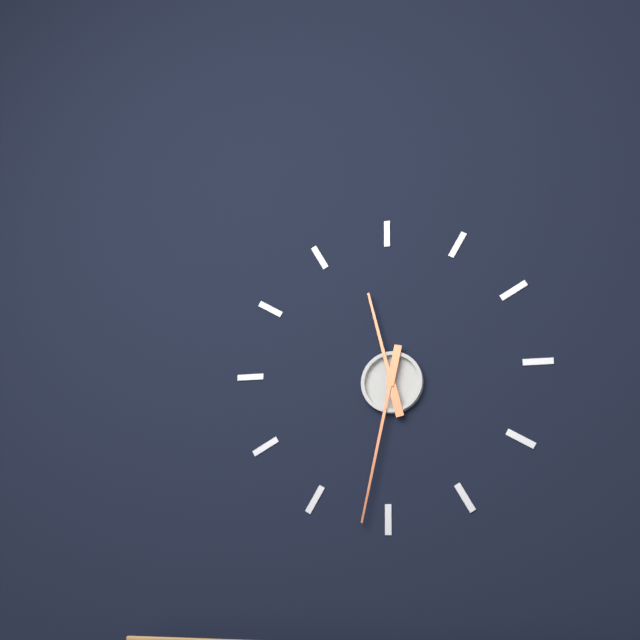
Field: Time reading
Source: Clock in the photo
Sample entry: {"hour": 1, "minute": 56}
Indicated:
{"hour": 11, "minute": 32}
